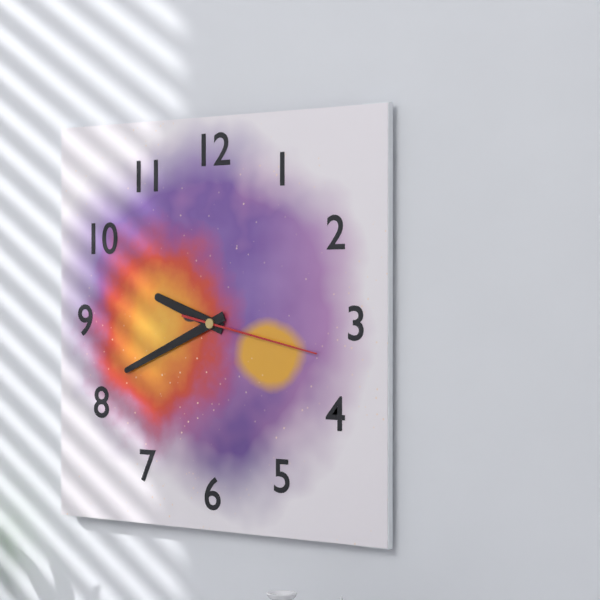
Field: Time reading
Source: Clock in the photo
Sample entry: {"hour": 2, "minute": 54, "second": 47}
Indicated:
{"hour": 9, "minute": 41, "second": 17}
